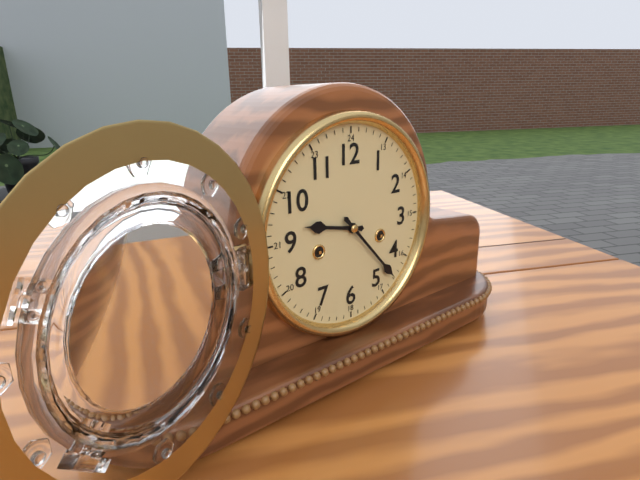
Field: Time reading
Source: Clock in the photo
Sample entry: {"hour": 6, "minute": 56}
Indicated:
{"hour": 9, "minute": 23}
